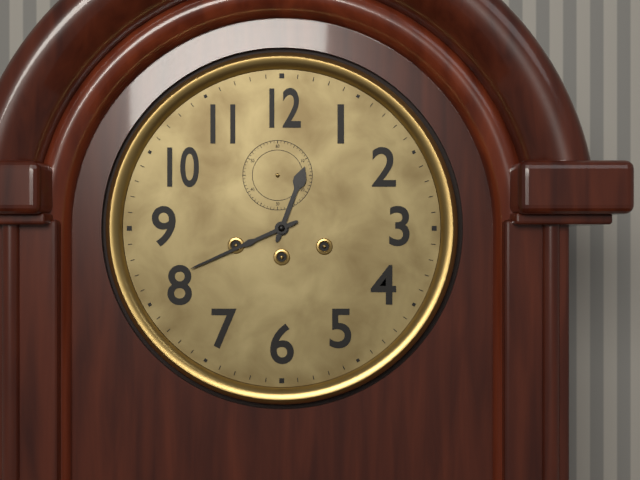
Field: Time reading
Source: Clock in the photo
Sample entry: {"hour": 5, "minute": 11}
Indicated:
{"hour": 12, "minute": 41}
